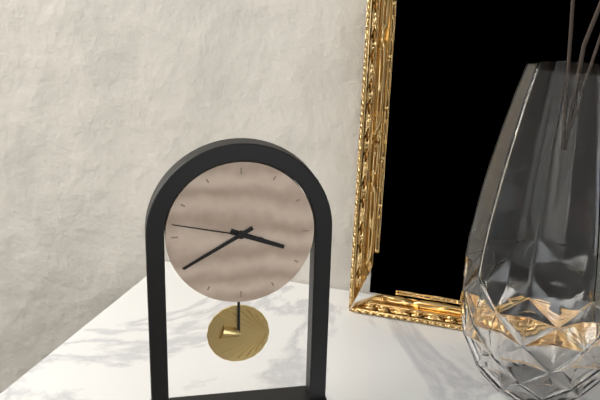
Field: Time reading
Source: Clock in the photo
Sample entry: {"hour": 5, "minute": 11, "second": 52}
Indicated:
{"hour": 3, "minute": 40, "second": 47}
